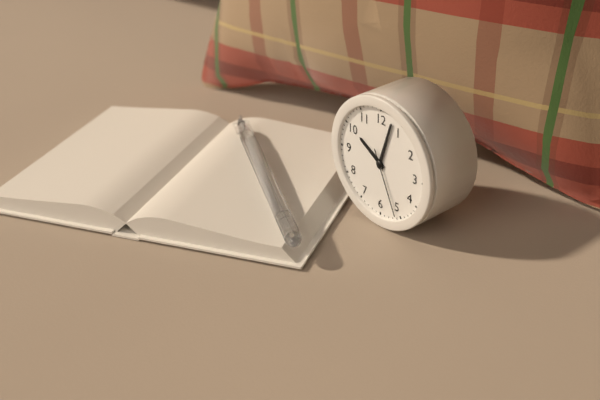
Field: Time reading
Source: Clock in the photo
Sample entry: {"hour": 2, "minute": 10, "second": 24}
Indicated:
{"hour": 10, "minute": 3, "second": 26}
